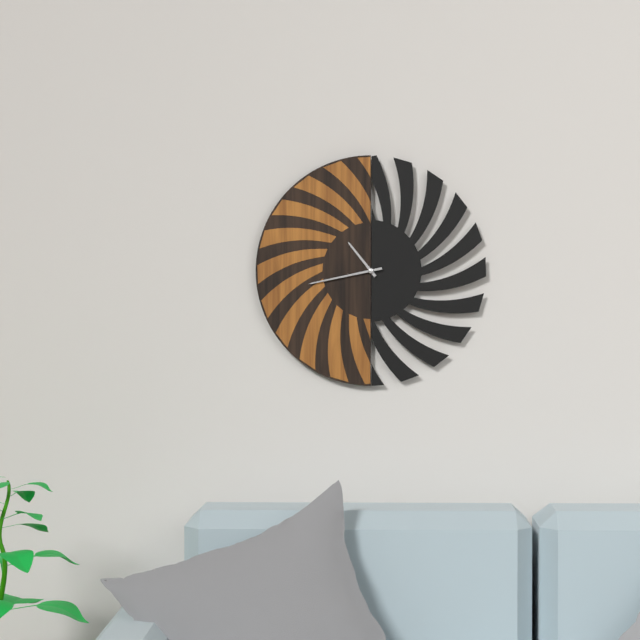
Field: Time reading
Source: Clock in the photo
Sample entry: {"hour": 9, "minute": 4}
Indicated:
{"hour": 10, "minute": 43}
